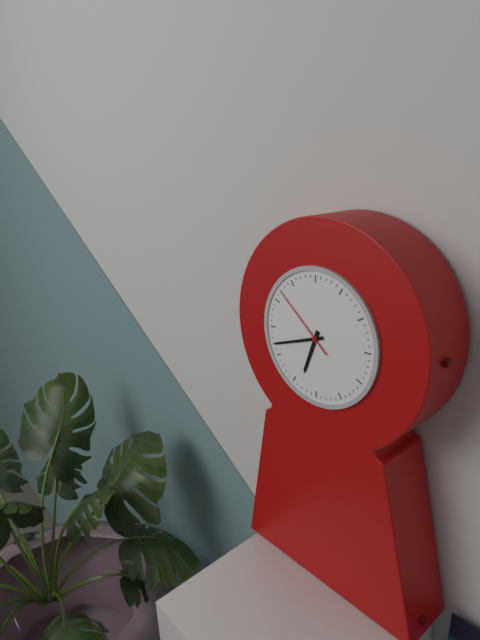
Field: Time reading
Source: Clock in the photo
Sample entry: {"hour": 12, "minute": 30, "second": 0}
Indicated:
{"hour": 6, "minute": 42, "second": 52}
